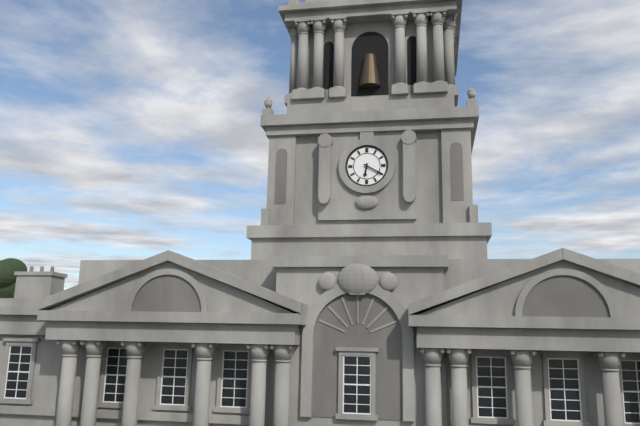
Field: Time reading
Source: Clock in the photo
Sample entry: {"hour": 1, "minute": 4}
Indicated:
{"hour": 6, "minute": 20}
